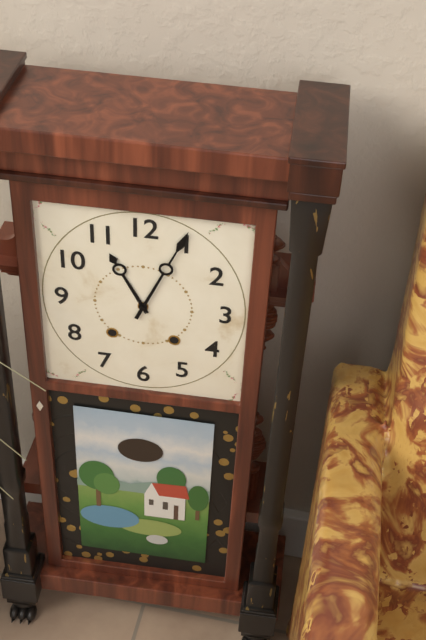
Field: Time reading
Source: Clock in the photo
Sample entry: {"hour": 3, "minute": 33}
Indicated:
{"hour": 11, "minute": 4}
